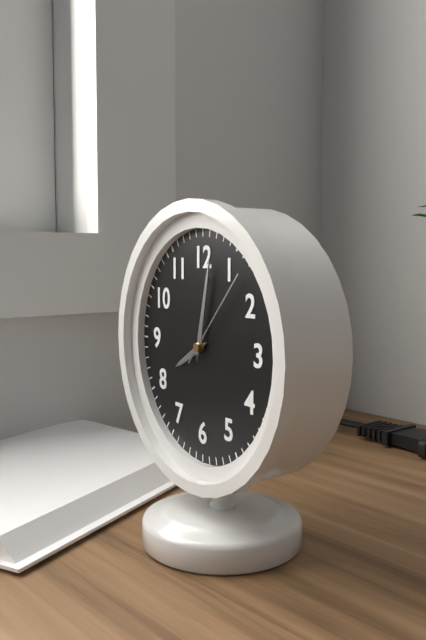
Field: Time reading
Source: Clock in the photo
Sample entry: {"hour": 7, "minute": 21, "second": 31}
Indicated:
{"hour": 8, "minute": 2, "second": 7}
